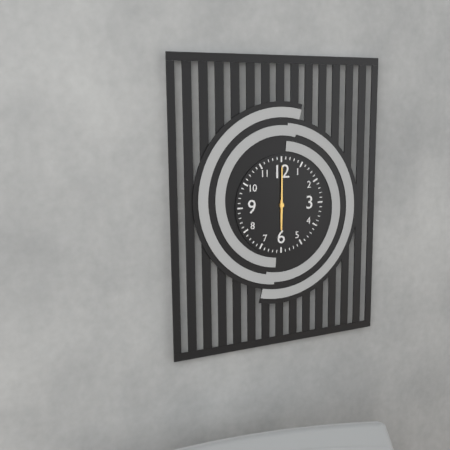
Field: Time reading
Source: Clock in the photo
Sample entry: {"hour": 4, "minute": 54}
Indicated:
{"hour": 6, "minute": 0}
